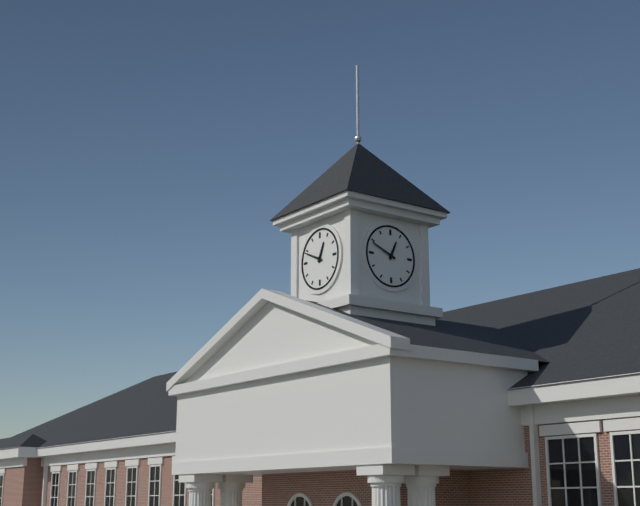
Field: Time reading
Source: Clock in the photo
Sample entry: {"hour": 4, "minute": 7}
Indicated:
{"hour": 12, "minute": 49}
